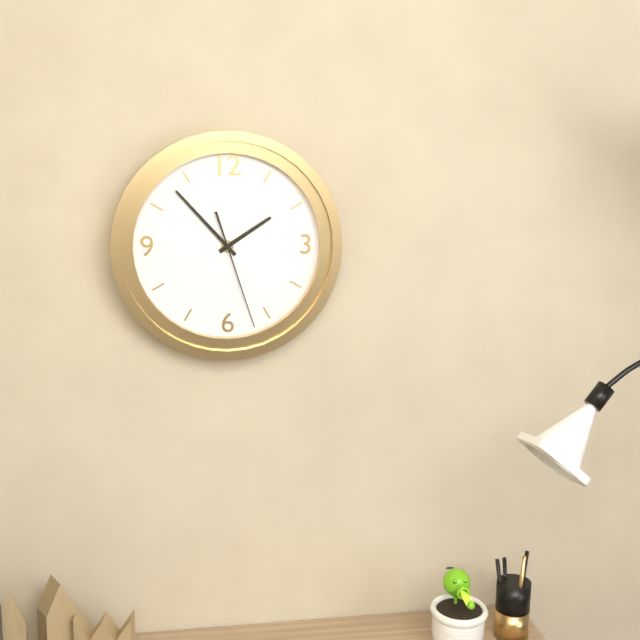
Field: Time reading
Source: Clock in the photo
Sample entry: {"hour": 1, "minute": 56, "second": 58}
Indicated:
{"hour": 1, "minute": 53, "second": 27}
